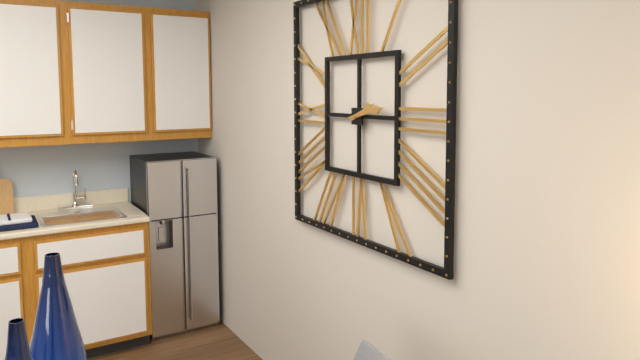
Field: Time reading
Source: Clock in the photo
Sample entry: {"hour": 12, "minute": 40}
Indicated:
{"hour": 2, "minute": 13}
